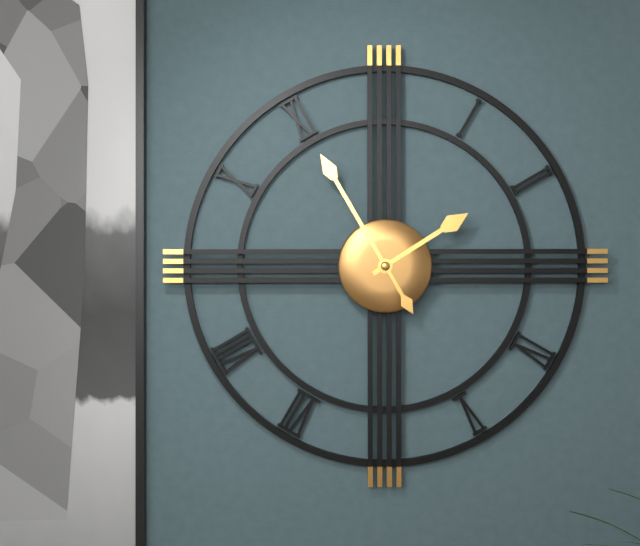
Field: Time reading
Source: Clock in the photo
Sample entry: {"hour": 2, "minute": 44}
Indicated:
{"hour": 1, "minute": 55}
